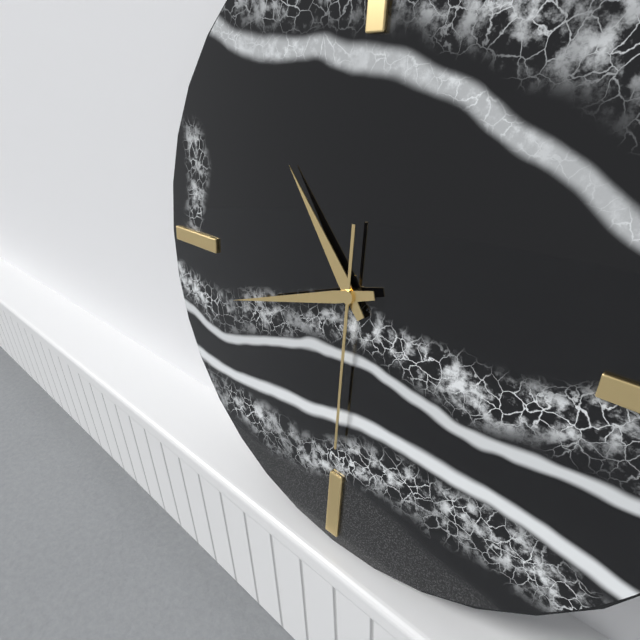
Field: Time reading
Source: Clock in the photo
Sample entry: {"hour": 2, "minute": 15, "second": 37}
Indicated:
{"hour": 10, "minute": 42, "second": 30}
